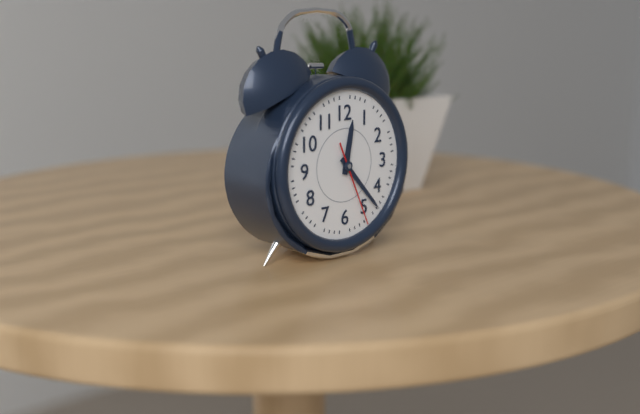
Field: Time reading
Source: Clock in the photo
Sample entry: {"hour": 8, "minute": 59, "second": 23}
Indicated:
{"hour": 12, "minute": 23, "second": 26}
